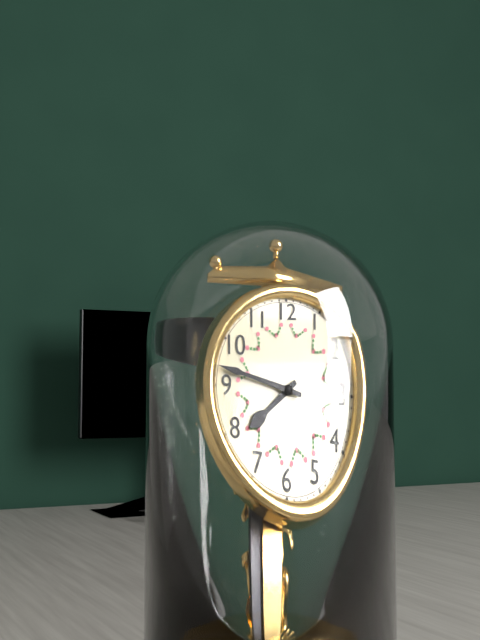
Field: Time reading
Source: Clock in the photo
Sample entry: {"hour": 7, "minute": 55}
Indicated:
{"hour": 7, "minute": 47}
